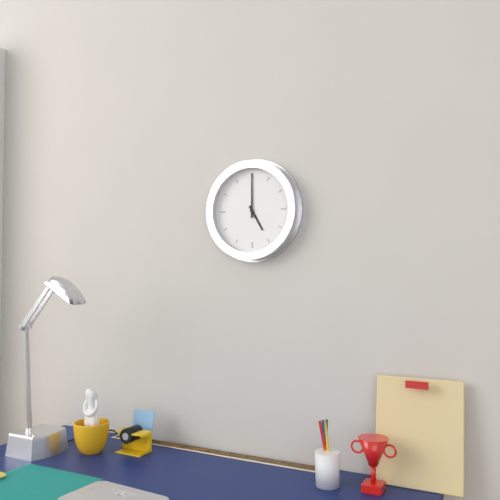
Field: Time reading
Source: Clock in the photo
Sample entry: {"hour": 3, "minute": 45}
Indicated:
{"hour": 5, "minute": 0}
